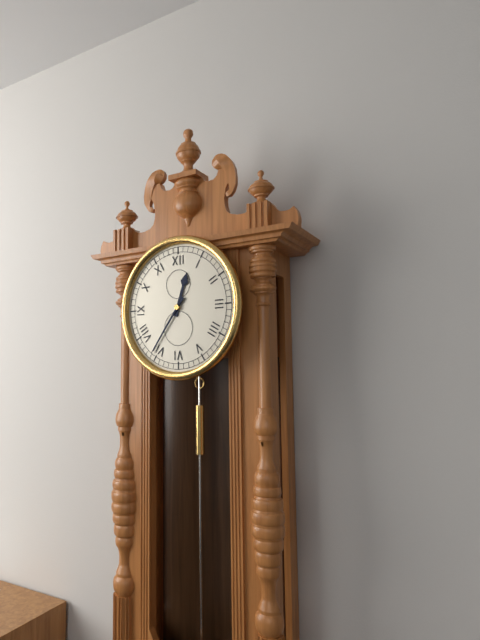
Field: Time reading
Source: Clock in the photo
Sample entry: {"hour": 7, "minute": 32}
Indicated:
{"hour": 12, "minute": 36}
